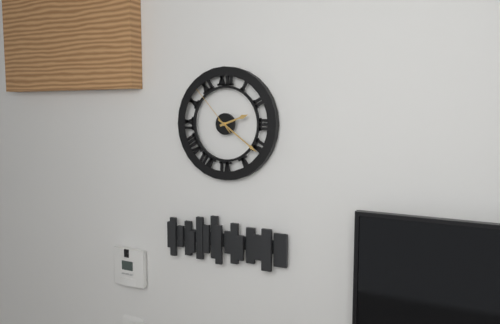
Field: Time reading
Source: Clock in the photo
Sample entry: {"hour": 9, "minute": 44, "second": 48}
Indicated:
{"hour": 2, "minute": 21, "second": 53}
